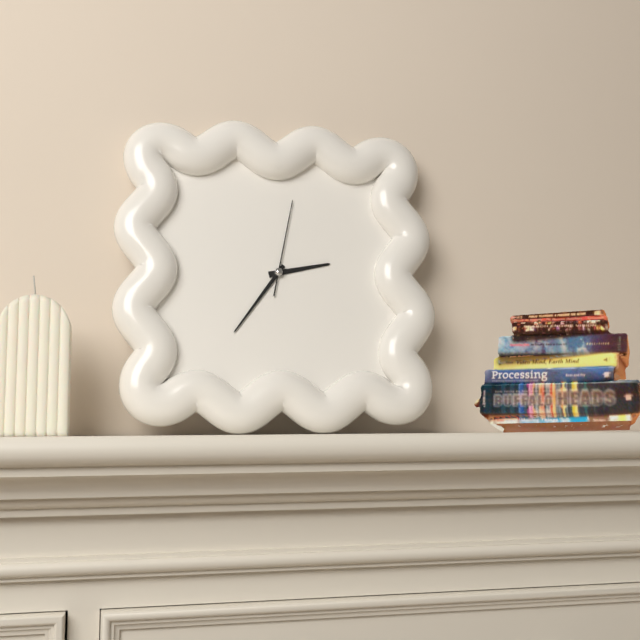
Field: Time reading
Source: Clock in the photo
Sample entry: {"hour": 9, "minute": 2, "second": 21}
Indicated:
{"hour": 2, "minute": 36, "second": 2}
